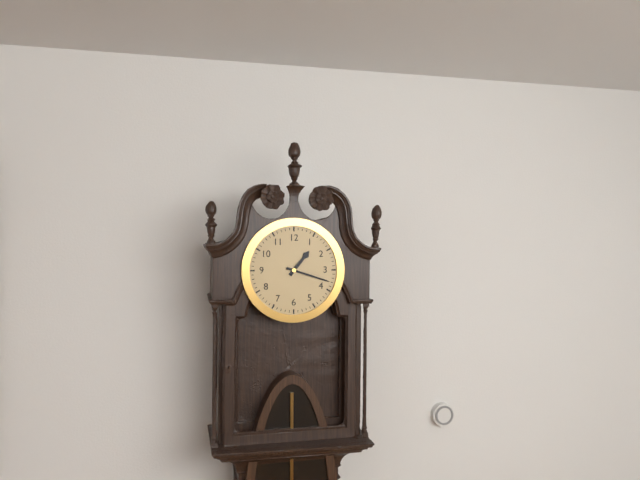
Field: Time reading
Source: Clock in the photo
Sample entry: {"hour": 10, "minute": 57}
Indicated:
{"hour": 1, "minute": 18}
